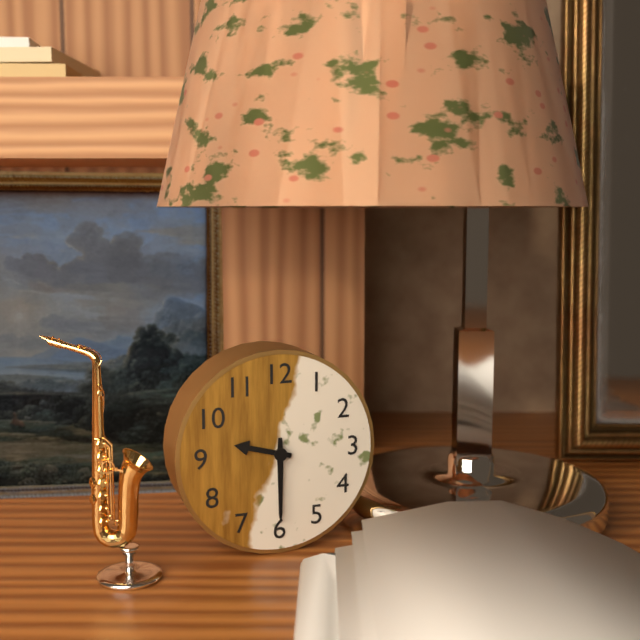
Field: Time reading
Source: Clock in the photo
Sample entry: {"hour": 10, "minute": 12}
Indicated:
{"hour": 9, "minute": 30}
